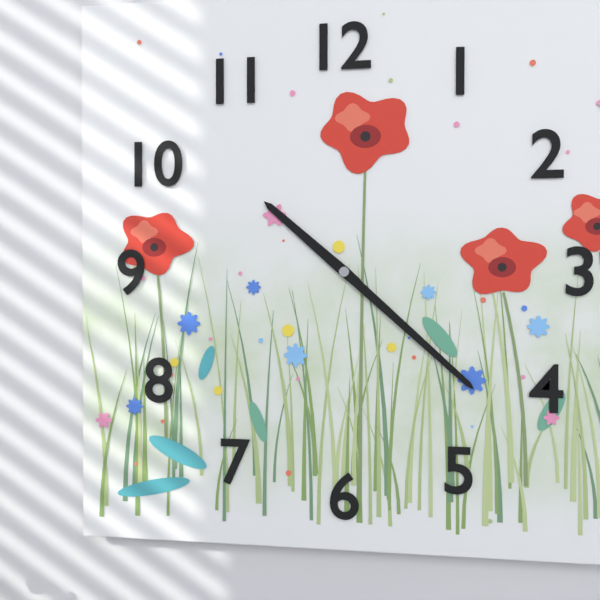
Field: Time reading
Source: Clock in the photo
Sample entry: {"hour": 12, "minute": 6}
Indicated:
{"hour": 10, "minute": 22}
